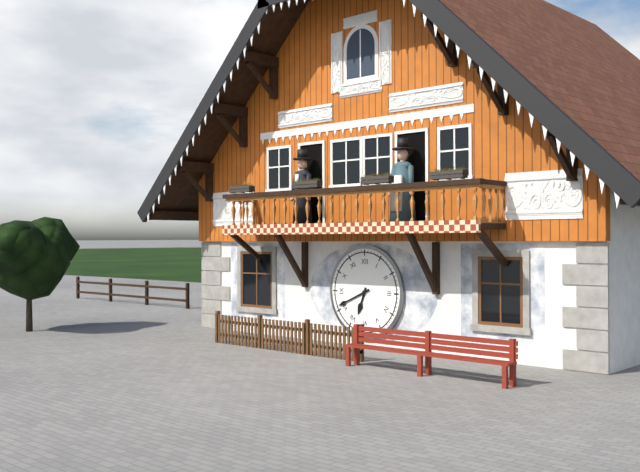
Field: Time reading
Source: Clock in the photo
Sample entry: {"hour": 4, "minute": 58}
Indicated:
{"hour": 6, "minute": 41}
